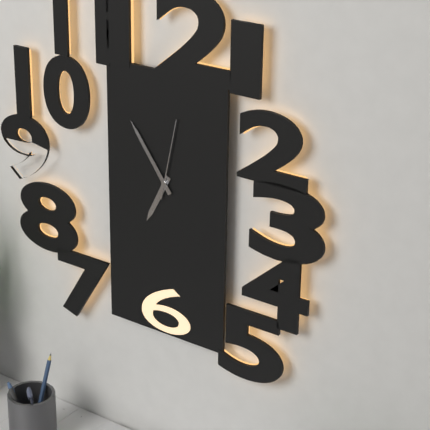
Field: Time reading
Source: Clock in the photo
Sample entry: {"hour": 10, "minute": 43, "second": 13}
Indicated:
{"hour": 6, "minute": 54, "second": 2}
